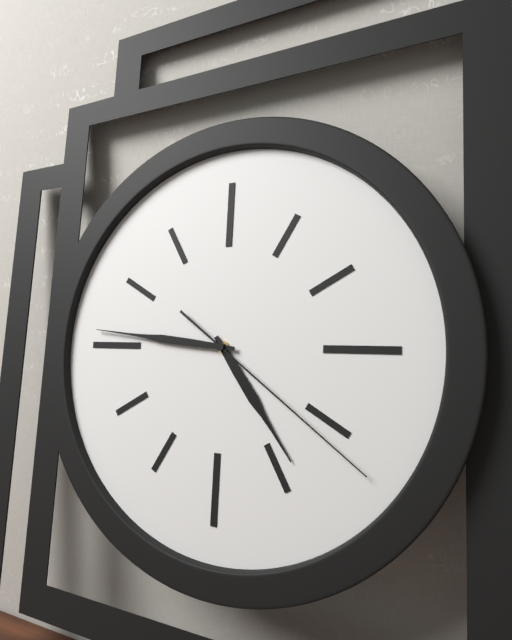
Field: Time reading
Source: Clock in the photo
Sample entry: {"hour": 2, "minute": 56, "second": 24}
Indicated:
{"hour": 4, "minute": 46, "second": 21}
